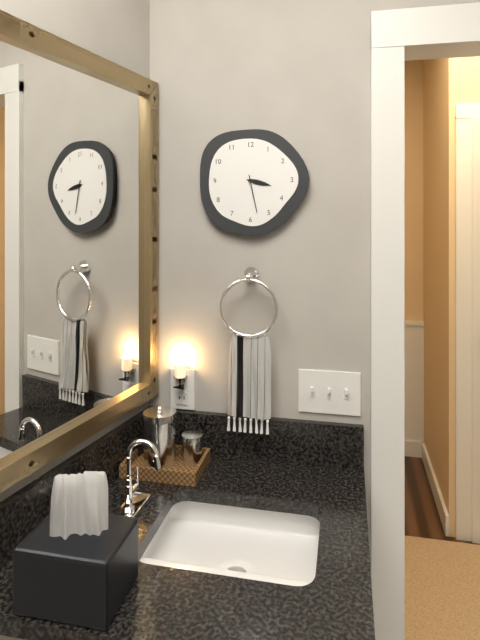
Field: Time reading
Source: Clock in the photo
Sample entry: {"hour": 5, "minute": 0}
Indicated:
{"hour": 3, "minute": 28}
